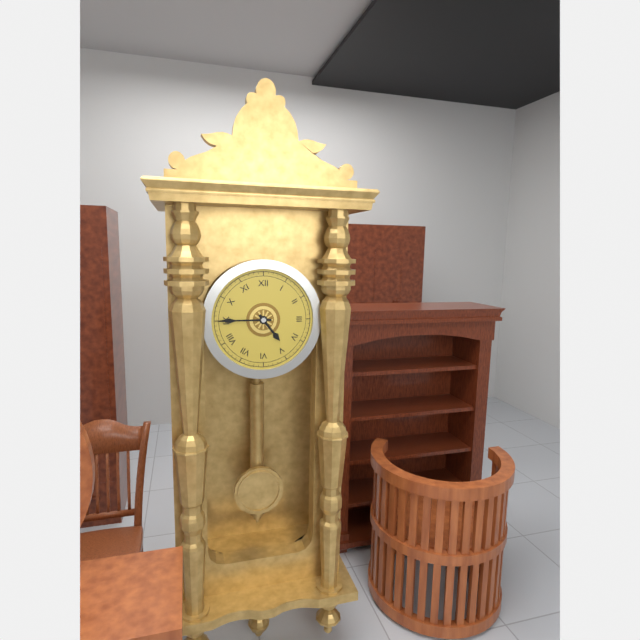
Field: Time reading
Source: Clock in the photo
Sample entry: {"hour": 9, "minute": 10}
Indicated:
{"hour": 4, "minute": 45}
